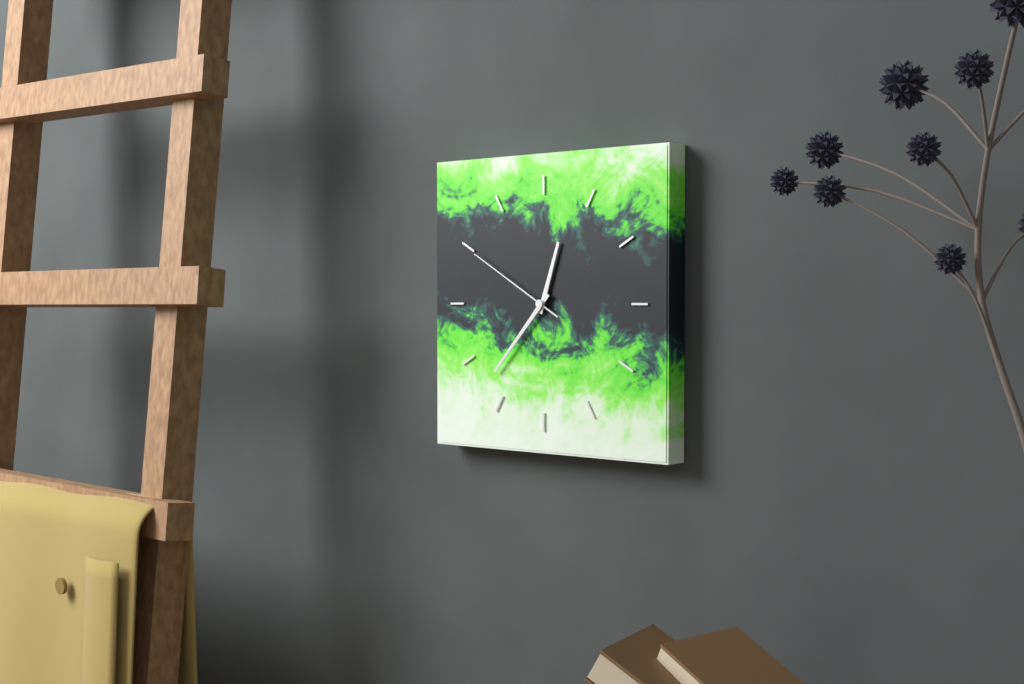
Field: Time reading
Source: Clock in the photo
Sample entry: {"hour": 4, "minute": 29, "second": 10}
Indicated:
{"hour": 12, "minute": 37, "second": 50}
